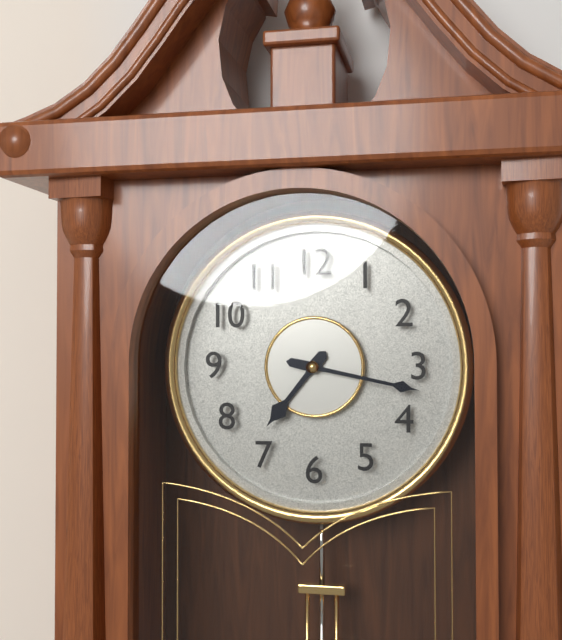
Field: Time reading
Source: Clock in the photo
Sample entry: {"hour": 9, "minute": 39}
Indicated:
{"hour": 7, "minute": 17}
